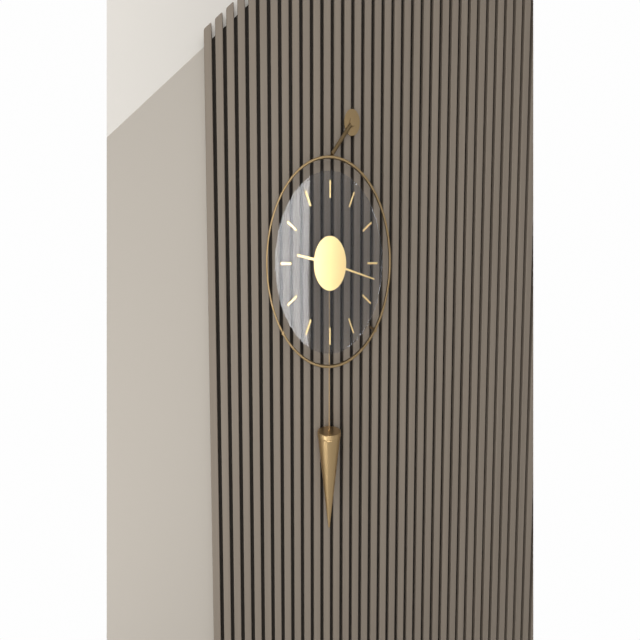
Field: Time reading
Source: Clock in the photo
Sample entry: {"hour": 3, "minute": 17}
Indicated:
{"hour": 9, "minute": 17}
